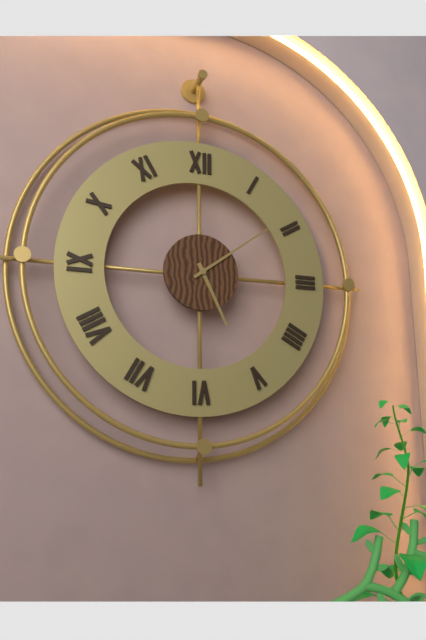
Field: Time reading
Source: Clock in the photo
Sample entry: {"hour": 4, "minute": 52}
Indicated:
{"hour": 5, "minute": 9}
